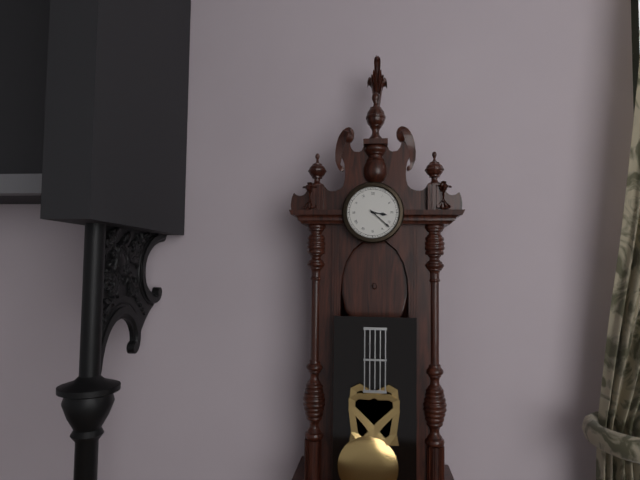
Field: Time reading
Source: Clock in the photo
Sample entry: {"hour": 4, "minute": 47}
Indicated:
{"hour": 3, "minute": 22}
